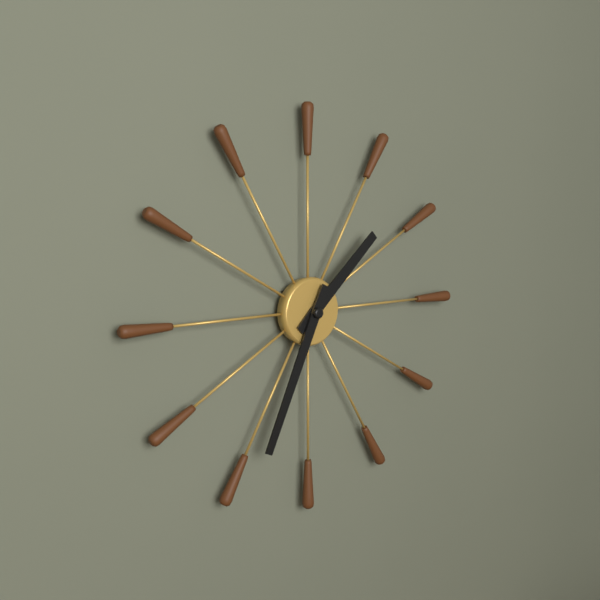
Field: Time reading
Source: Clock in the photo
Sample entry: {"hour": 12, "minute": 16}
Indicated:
{"hour": 1, "minute": 34}
